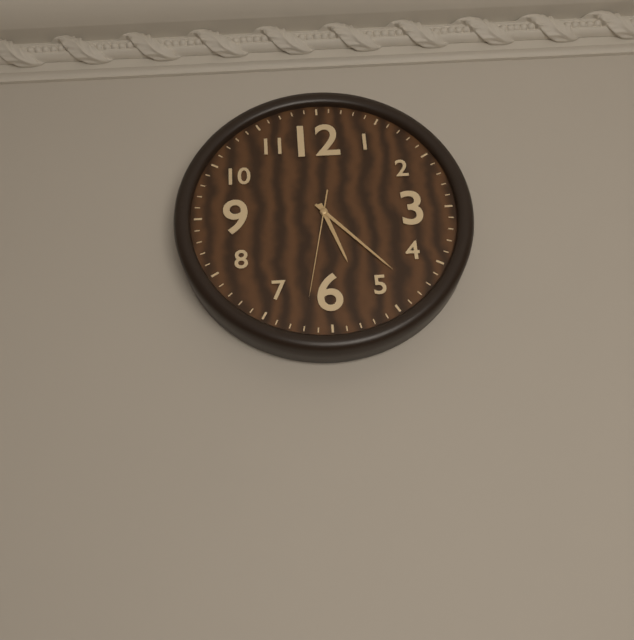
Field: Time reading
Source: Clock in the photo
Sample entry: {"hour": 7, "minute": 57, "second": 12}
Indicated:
{"hour": 5, "minute": 23, "second": 32}
